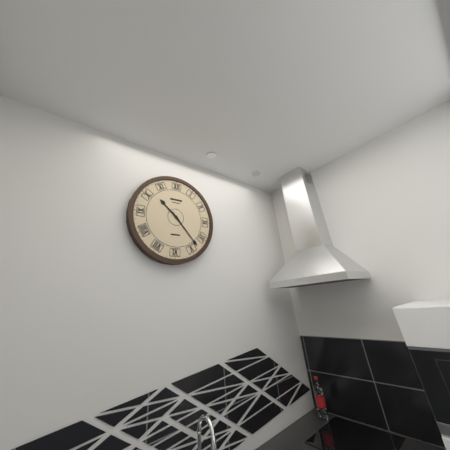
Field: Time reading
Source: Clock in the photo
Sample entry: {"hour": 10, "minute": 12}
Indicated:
{"hour": 10, "minute": 23}
